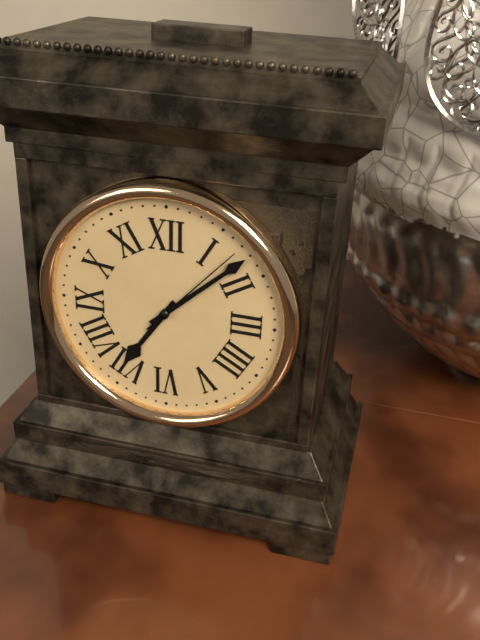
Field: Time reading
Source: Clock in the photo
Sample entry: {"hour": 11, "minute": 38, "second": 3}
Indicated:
{"hour": 7, "minute": 8, "second": 7}
